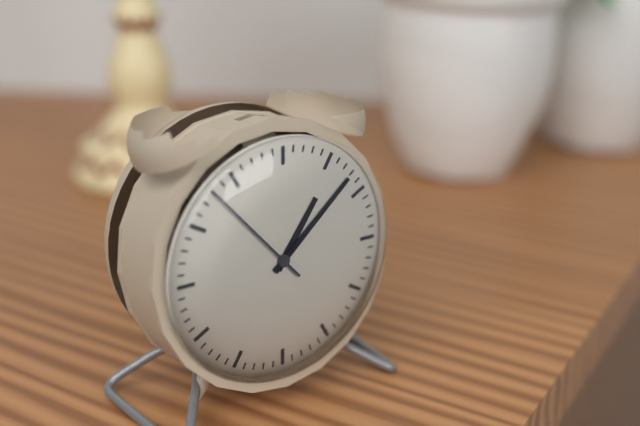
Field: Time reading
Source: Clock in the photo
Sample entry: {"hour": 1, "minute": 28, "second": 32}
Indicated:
{"hour": 1, "minute": 8, "second": 53}
